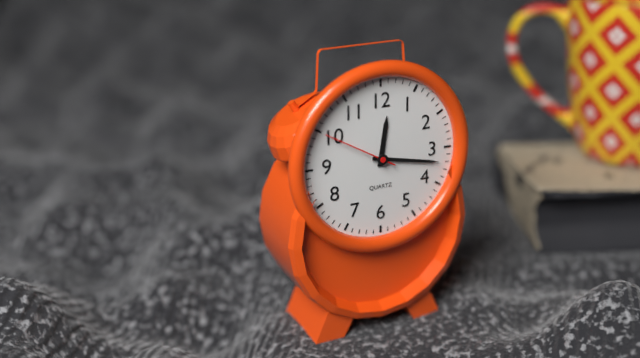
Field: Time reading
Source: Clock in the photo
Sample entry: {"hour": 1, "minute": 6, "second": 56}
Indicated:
{"hour": 12, "minute": 17, "second": 50}
